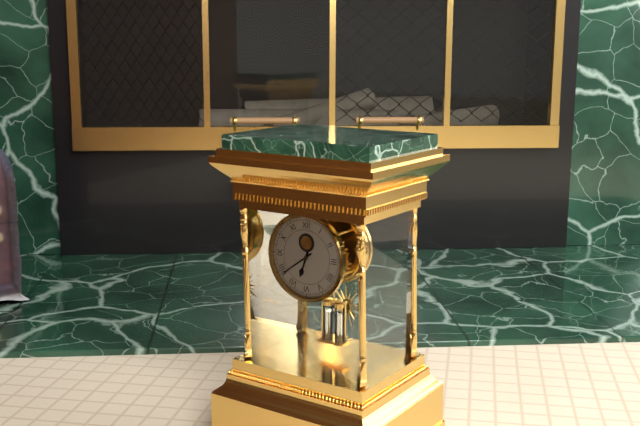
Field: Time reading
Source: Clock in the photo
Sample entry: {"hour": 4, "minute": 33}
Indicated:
{"hour": 6, "minute": 39}
